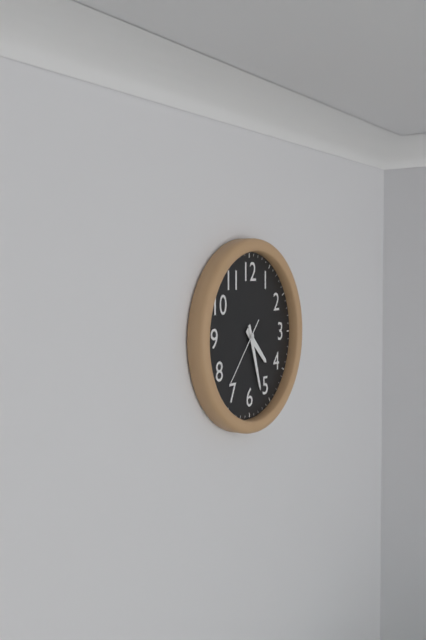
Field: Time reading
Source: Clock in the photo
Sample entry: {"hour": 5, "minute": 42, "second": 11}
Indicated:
{"hour": 4, "minute": 27, "second": 37}
